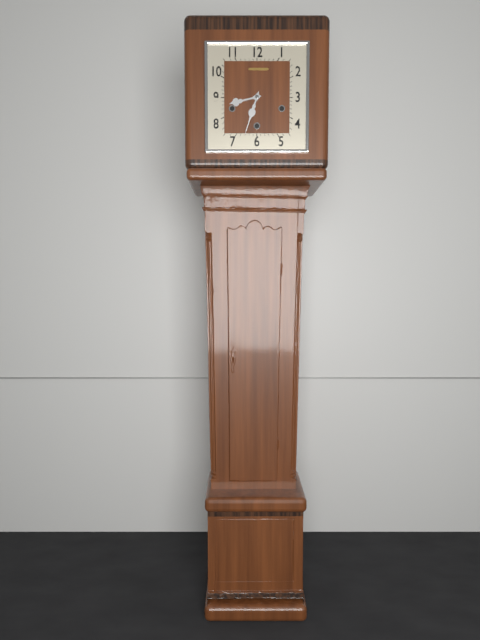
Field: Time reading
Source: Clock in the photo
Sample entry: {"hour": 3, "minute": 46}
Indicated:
{"hour": 8, "minute": 33}
